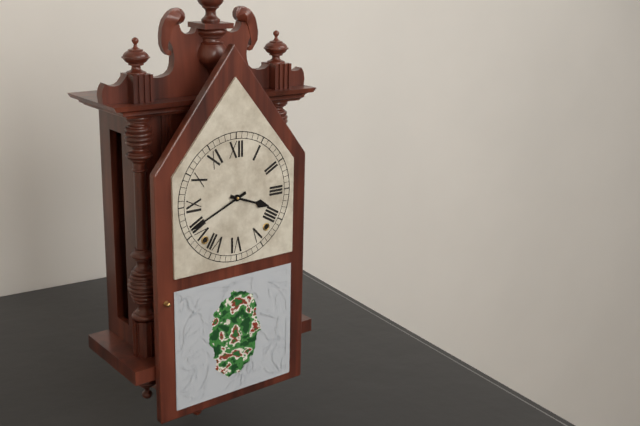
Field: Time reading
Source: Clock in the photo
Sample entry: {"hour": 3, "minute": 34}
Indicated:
{"hour": 3, "minute": 41}
